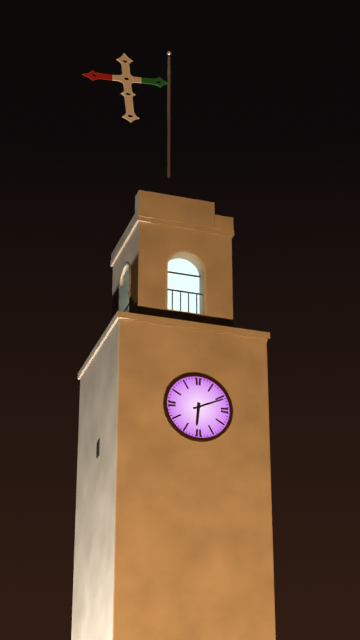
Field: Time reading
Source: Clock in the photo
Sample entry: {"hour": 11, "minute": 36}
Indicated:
{"hour": 6, "minute": 11}
